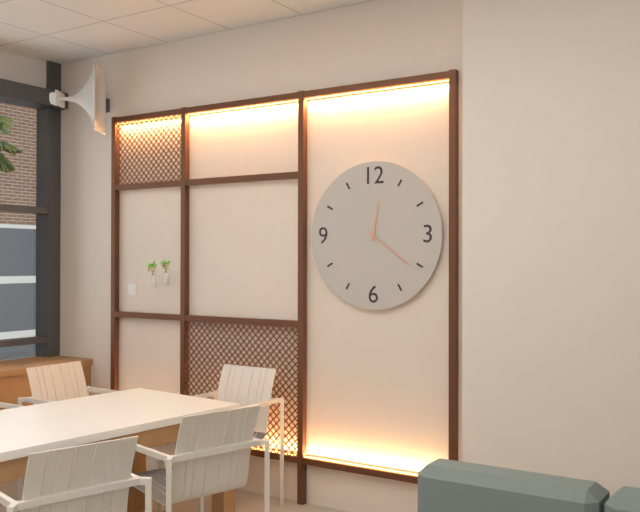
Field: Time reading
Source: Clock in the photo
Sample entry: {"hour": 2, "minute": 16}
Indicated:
{"hour": 12, "minute": 21}
